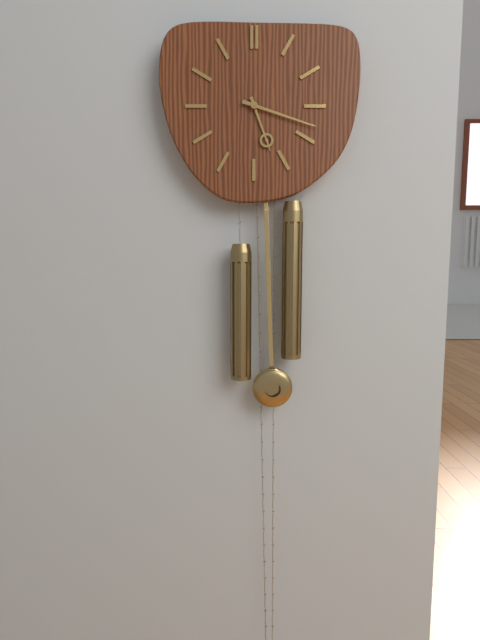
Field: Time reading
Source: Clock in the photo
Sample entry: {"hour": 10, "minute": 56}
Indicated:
{"hour": 5, "minute": 18}
